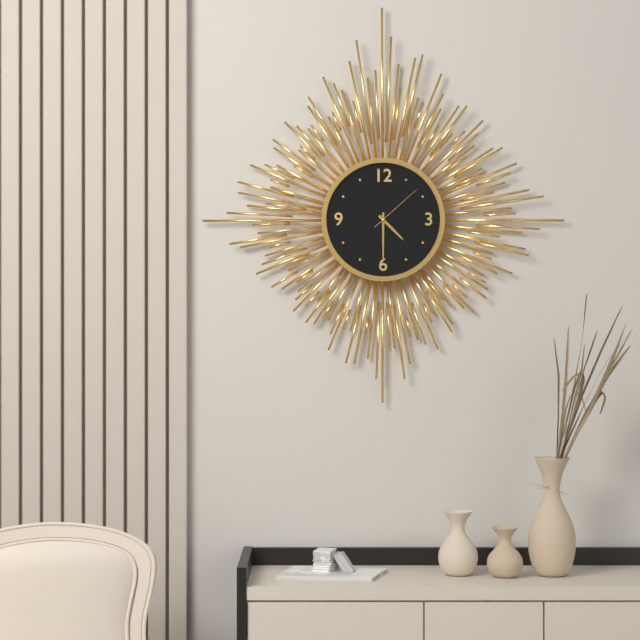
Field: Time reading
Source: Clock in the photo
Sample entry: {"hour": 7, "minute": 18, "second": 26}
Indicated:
{"hour": 4, "minute": 30, "second": 8}
